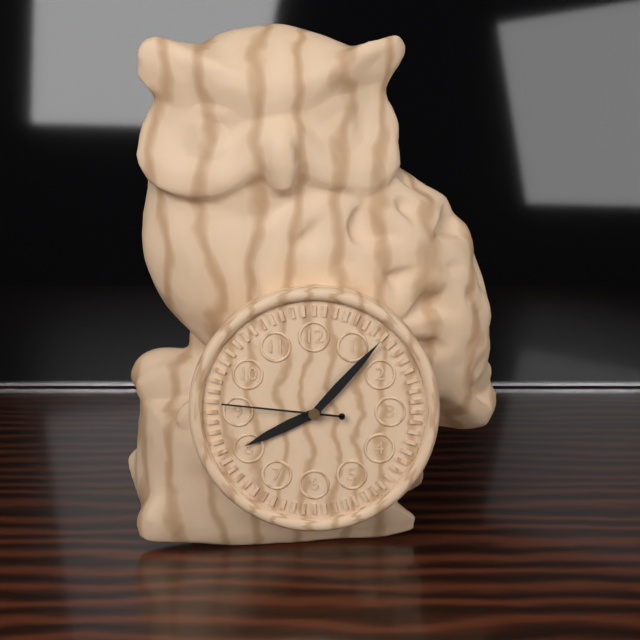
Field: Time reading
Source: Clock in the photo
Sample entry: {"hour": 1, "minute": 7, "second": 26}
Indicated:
{"hour": 8, "minute": 7, "second": 46}
